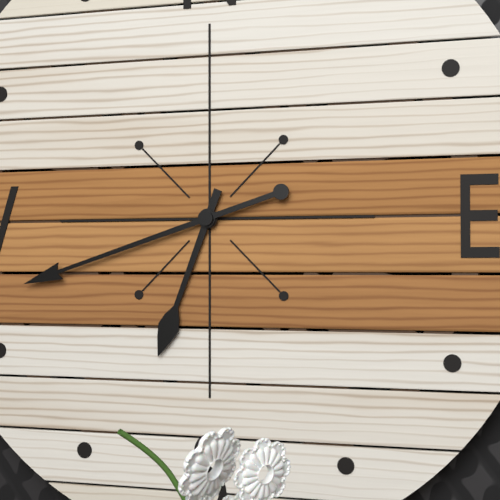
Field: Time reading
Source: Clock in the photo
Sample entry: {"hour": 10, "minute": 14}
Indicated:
{"hour": 6, "minute": 42}
